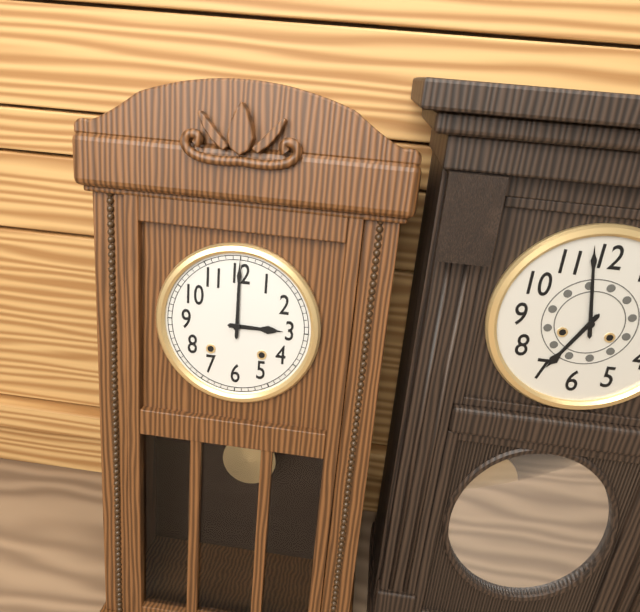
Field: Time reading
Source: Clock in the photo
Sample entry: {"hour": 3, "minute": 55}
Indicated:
{"hour": 3, "minute": 0}
